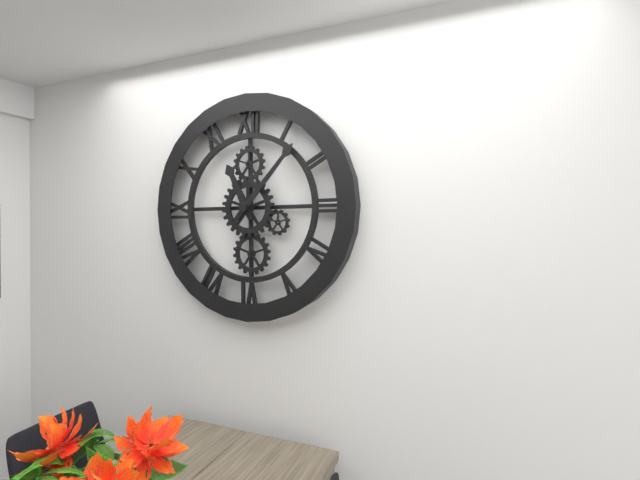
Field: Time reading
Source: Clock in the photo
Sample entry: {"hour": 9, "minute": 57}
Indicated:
{"hour": 11, "minute": 7}
